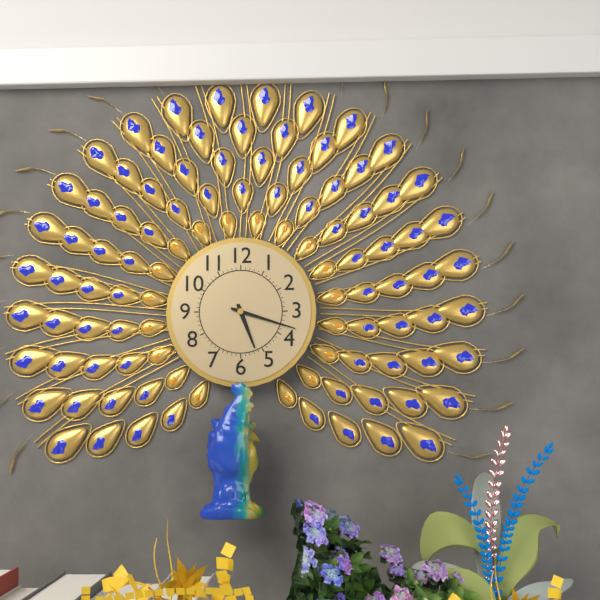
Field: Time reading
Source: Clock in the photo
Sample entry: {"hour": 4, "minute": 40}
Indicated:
{"hour": 5, "minute": 18}
